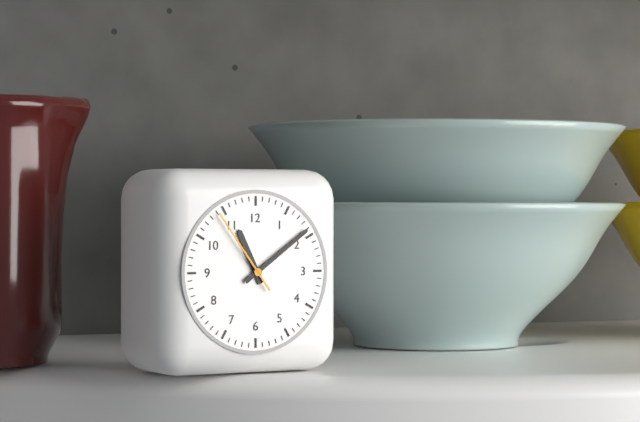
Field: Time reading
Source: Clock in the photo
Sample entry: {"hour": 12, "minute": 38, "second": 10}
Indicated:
{"hour": 11, "minute": 9, "second": 54}
